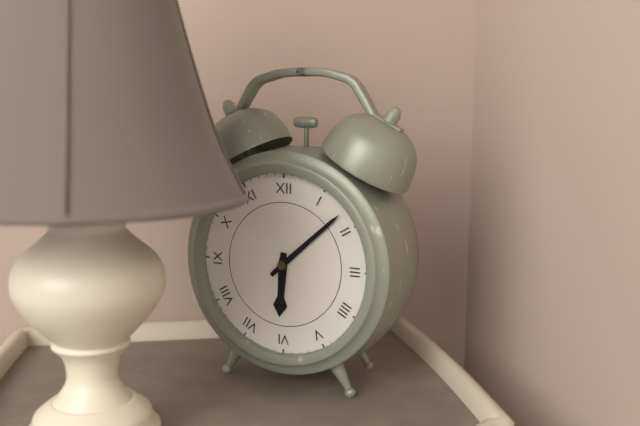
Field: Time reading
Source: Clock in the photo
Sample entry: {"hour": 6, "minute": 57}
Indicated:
{"hour": 6, "minute": 8}
